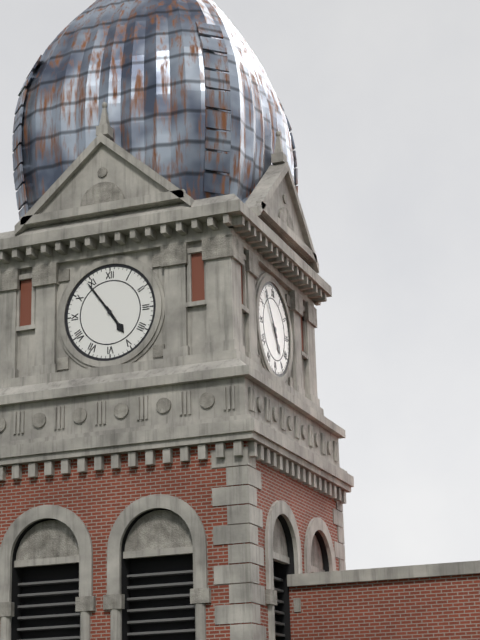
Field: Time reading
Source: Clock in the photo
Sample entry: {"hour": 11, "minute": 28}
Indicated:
{"hour": 4, "minute": 54}
